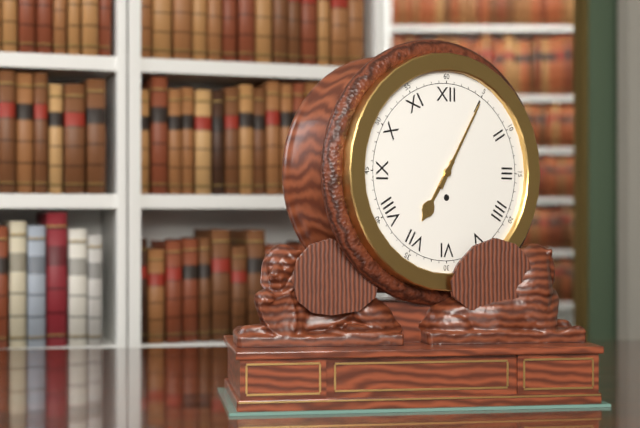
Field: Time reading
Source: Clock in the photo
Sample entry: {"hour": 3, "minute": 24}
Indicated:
{"hour": 7, "minute": 5}
